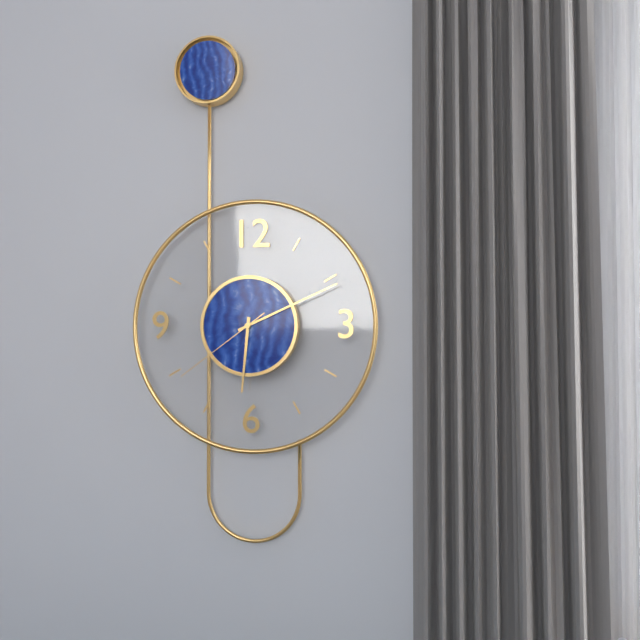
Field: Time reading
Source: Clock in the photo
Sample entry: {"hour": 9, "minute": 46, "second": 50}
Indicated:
{"hour": 6, "minute": 11, "second": 39}
